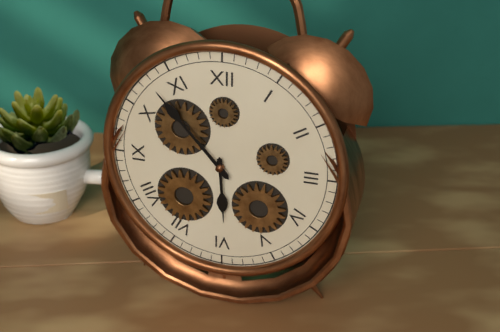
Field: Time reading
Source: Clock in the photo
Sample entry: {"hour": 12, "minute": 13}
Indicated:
{"hour": 5, "minute": 53}
